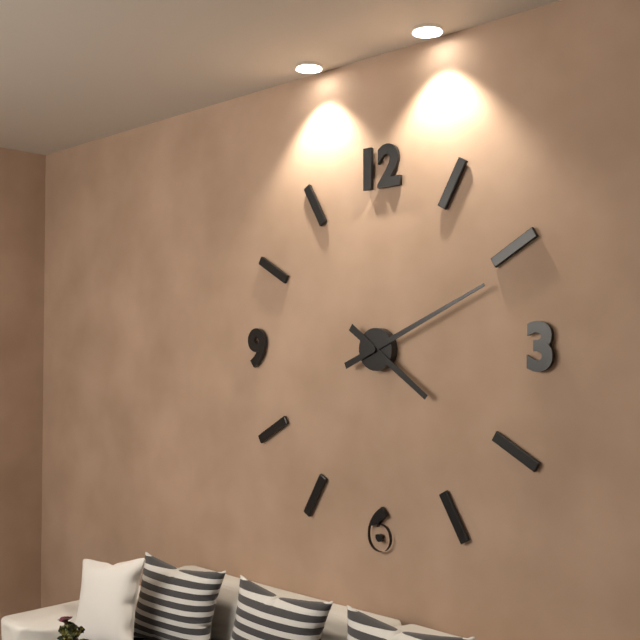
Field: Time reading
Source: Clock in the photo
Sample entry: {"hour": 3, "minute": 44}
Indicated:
{"hour": 4, "minute": 11}
